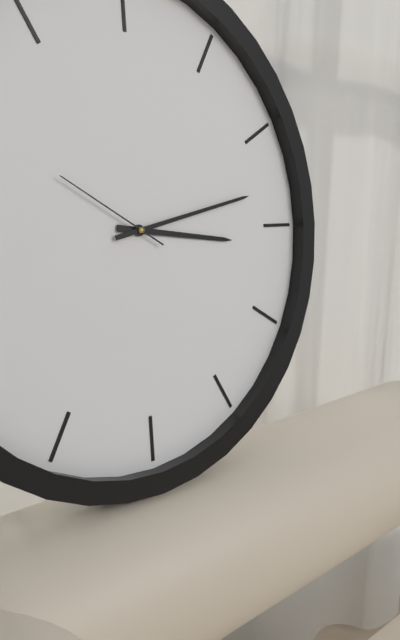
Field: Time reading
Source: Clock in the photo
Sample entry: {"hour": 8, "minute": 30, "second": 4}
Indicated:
{"hour": 3, "minute": 13, "second": 50}
